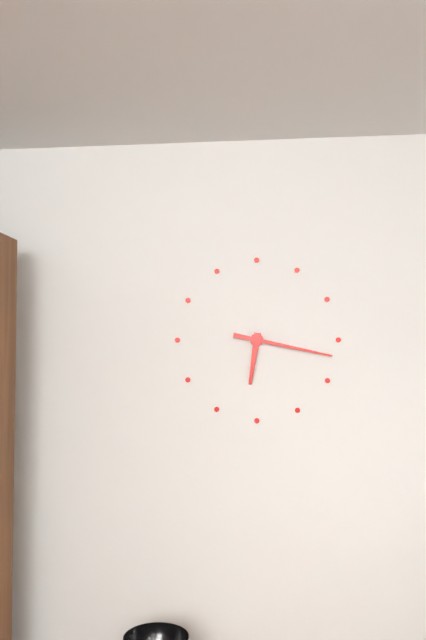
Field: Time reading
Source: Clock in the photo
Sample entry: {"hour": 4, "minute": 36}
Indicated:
{"hour": 6, "minute": 17}
